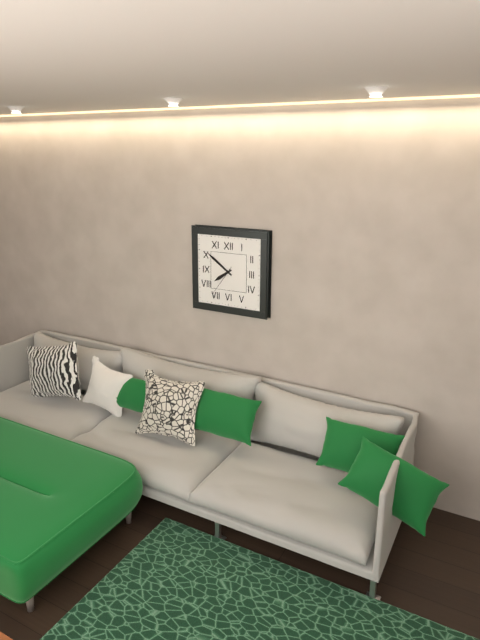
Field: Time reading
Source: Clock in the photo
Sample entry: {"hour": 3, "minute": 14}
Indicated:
{"hour": 7, "minute": 51}
